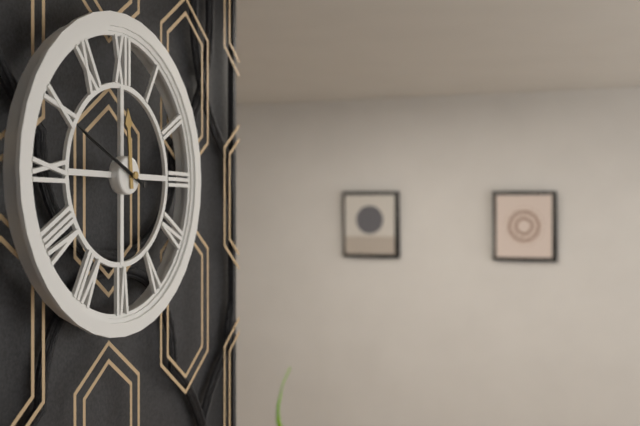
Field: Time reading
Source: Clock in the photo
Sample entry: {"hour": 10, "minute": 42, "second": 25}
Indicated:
{"hour": 11, "minute": 49, "second": 49}
